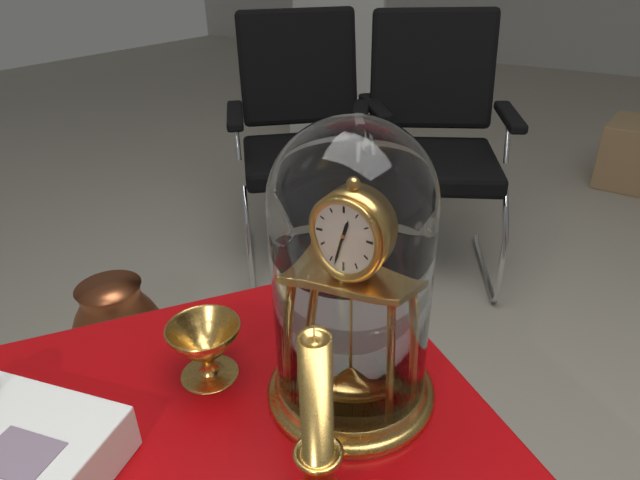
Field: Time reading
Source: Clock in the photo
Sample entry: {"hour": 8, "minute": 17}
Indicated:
{"hour": 12, "minute": 33}
